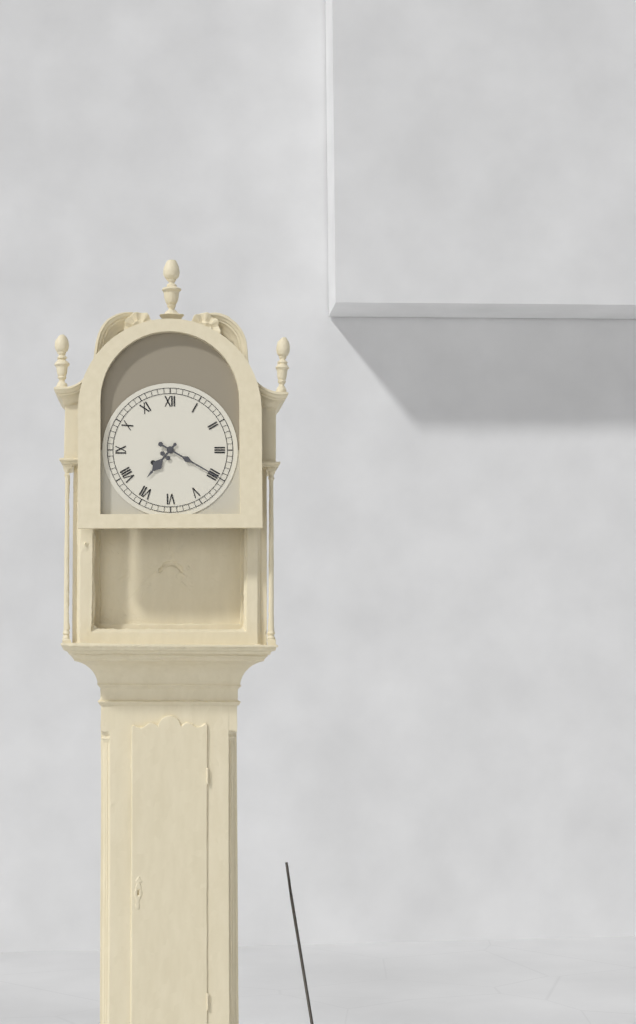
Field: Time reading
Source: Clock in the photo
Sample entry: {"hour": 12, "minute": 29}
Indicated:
{"hour": 7, "minute": 20}
